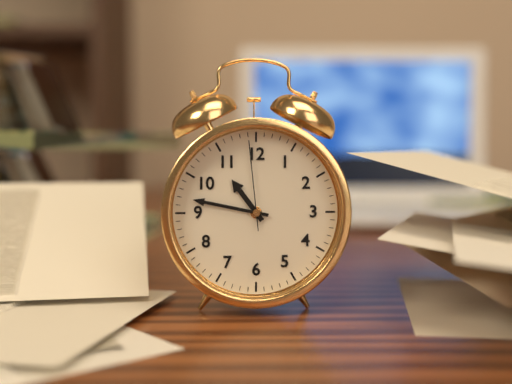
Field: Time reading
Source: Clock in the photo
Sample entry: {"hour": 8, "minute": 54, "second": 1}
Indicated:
{"hour": 10, "minute": 47, "second": 59}
